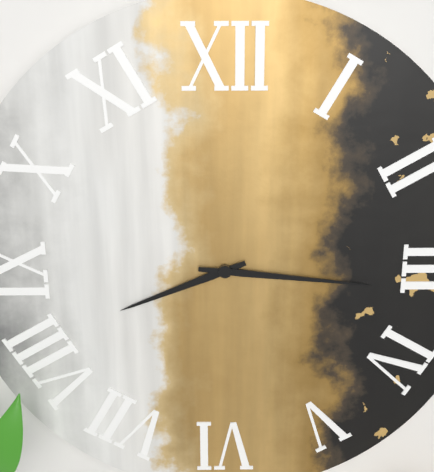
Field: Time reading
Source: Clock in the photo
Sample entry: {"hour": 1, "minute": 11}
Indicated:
{"hour": 8, "minute": 16}
